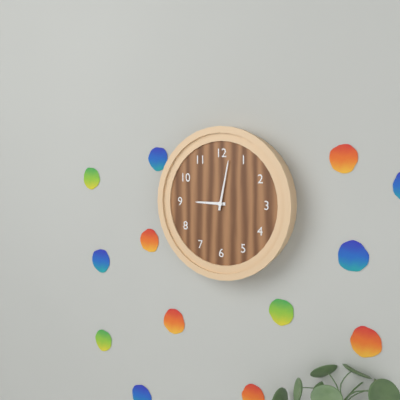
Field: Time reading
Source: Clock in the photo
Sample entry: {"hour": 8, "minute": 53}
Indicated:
{"hour": 9, "minute": 2}
